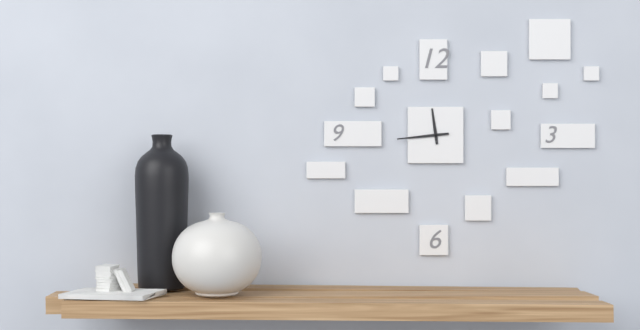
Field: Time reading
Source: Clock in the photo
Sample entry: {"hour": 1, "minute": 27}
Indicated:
{"hour": 11, "minute": 44}
